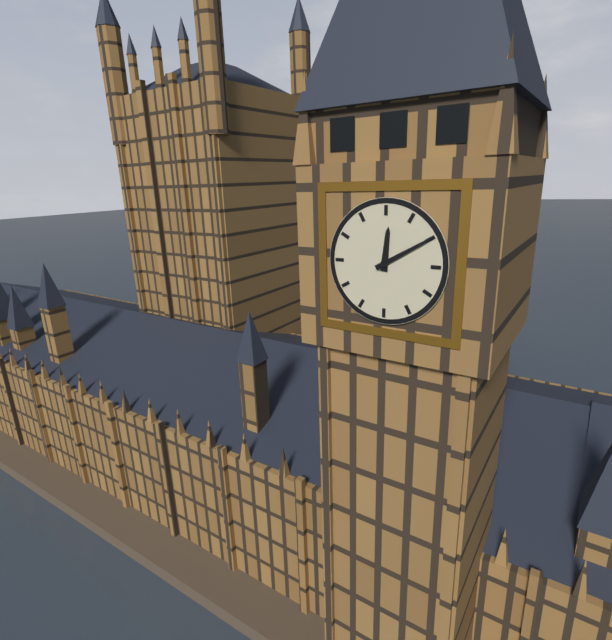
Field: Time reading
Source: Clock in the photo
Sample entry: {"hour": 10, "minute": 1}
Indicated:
{"hour": 12, "minute": 10}
